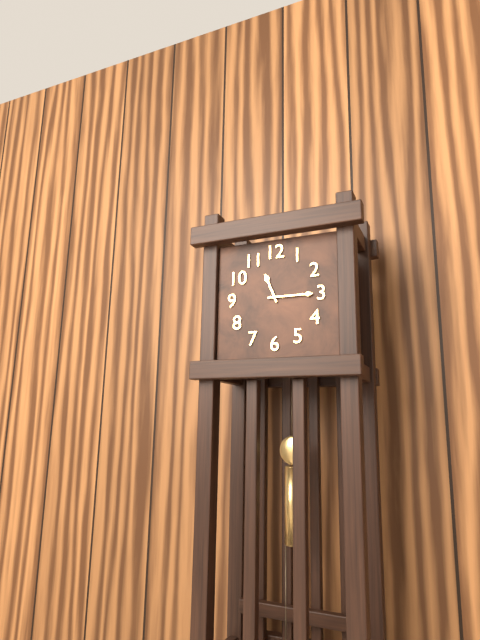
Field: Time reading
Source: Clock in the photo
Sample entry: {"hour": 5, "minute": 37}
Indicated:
{"hour": 11, "minute": 15}
